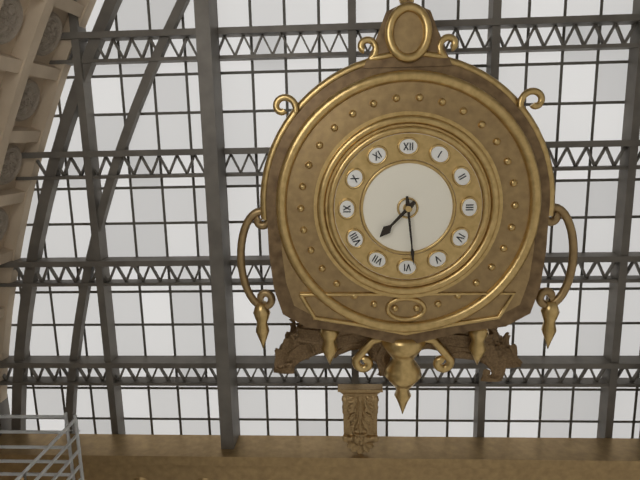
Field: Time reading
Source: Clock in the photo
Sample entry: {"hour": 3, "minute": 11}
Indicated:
{"hour": 7, "minute": 29}
